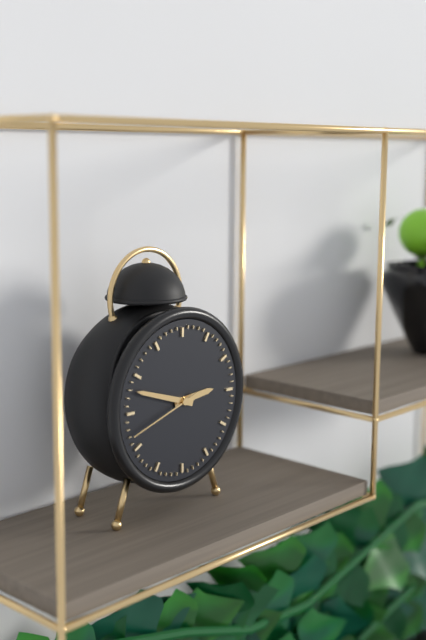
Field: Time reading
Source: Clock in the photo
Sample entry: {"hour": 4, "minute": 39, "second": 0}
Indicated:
{"hour": 2, "minute": 48, "second": 42}
